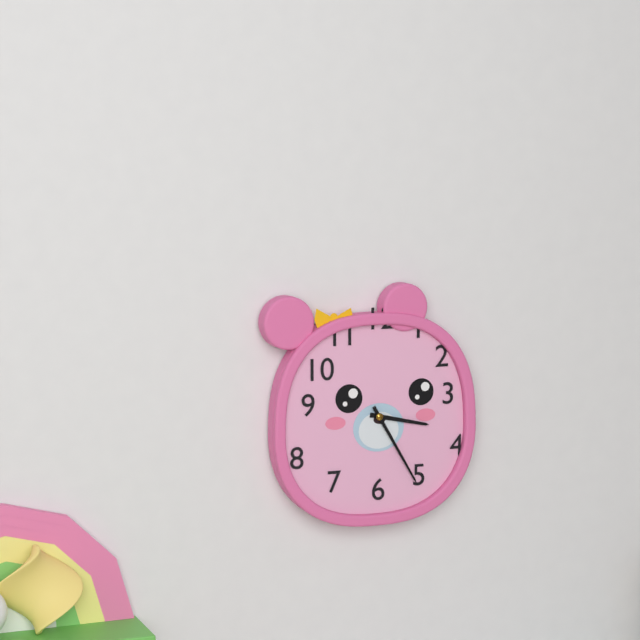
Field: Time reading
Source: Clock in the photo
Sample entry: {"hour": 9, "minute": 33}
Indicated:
{"hour": 3, "minute": 25}
